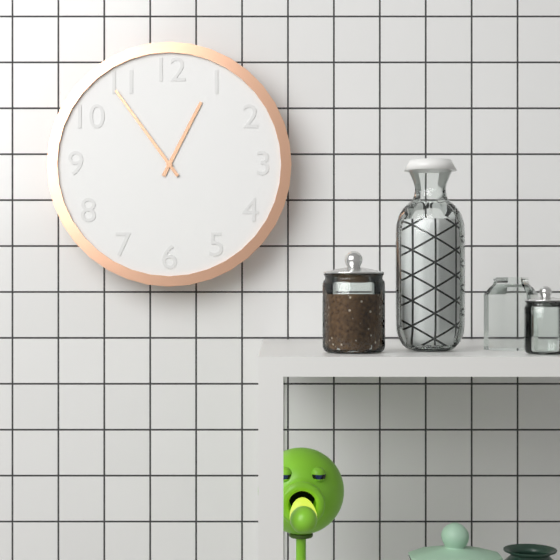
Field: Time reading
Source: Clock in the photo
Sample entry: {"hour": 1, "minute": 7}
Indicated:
{"hour": 12, "minute": 54}
